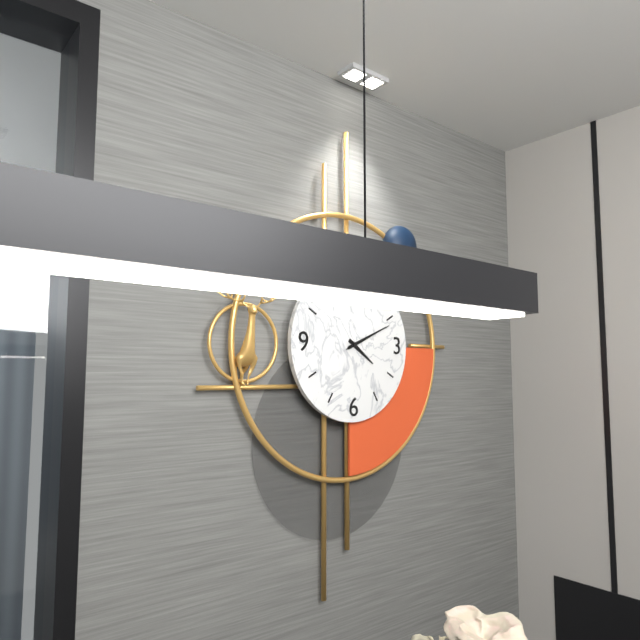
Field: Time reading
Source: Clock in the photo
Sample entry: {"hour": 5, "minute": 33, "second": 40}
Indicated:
{"hour": 4, "minute": 11, "second": 11}
